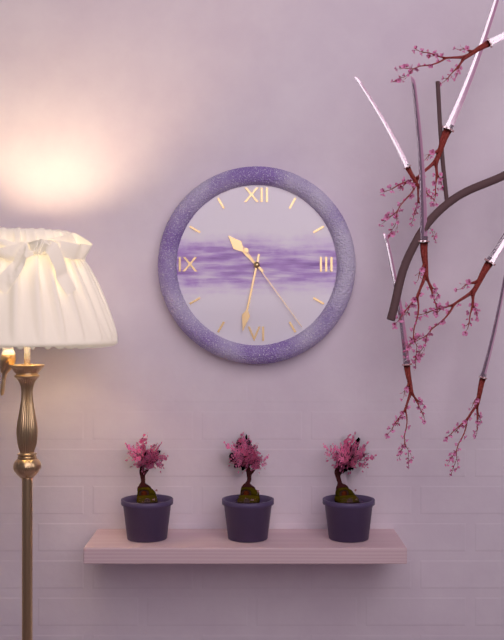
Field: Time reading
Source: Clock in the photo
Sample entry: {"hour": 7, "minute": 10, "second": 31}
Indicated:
{"hour": 10, "minute": 32, "second": 24}
